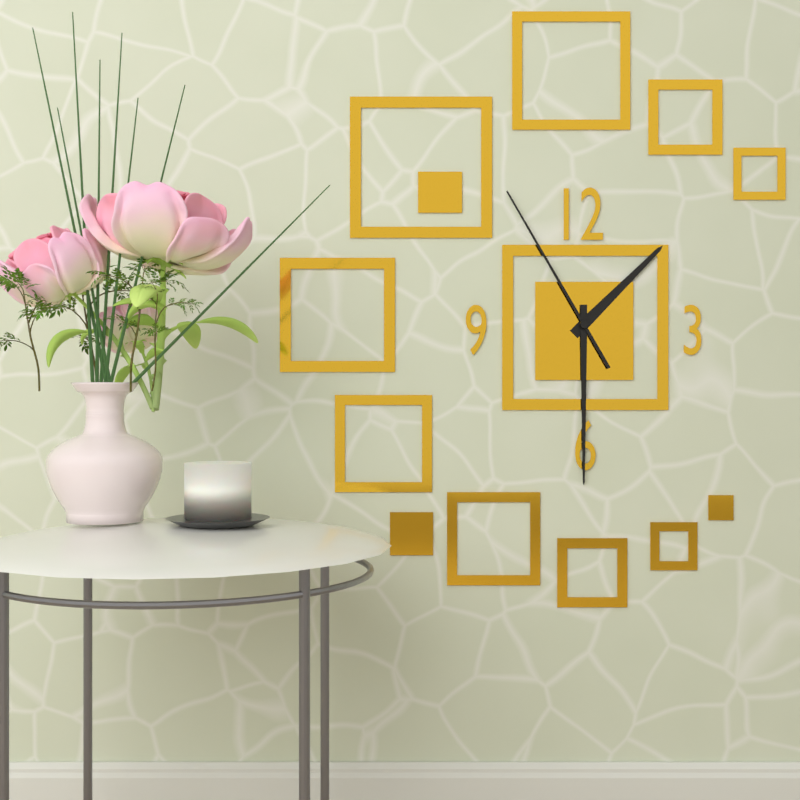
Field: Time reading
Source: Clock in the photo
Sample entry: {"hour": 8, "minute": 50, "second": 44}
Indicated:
{"hour": 1, "minute": 30, "second": 55}
